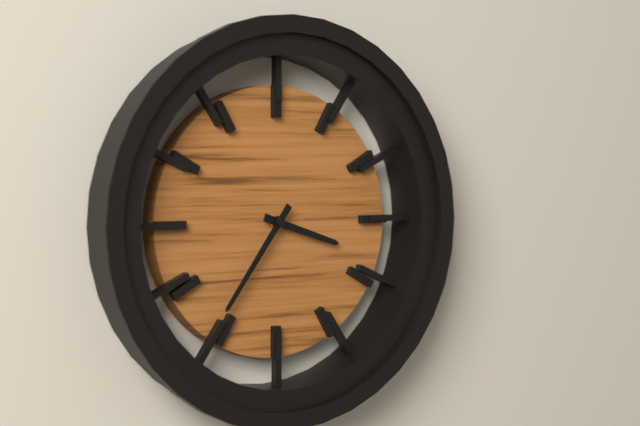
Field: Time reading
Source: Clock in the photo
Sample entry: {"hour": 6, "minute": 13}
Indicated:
{"hour": 3, "minute": 36}
